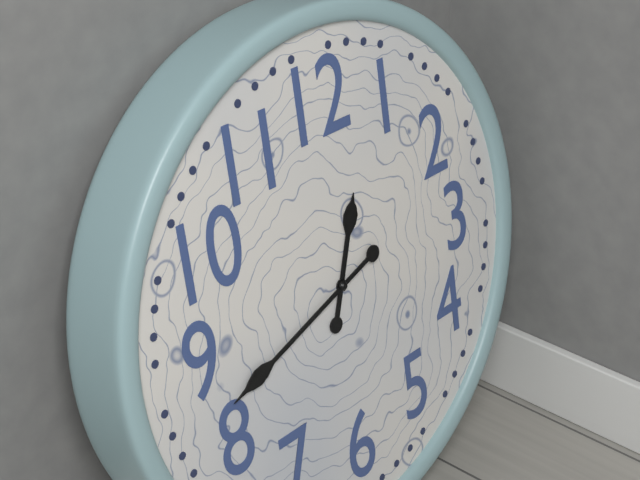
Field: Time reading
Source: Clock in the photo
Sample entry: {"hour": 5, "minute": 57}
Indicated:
{"hour": 12, "minute": 42}
